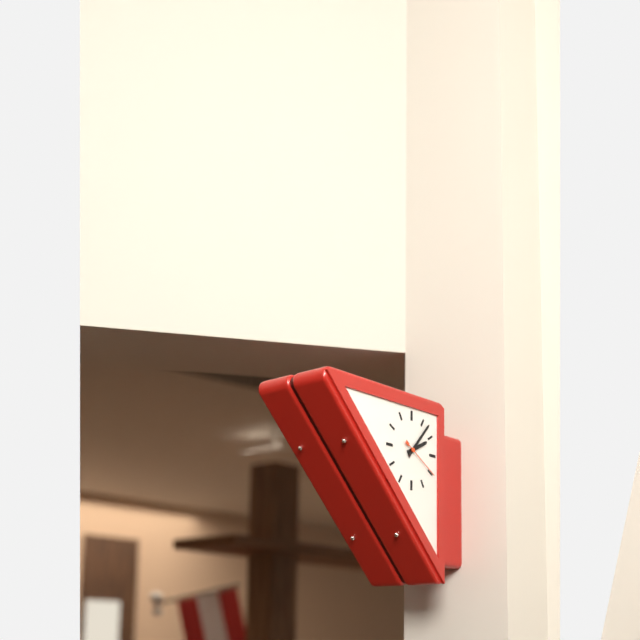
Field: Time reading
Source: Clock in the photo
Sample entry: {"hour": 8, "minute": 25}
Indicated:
{"hour": 2, "minute": 7}
